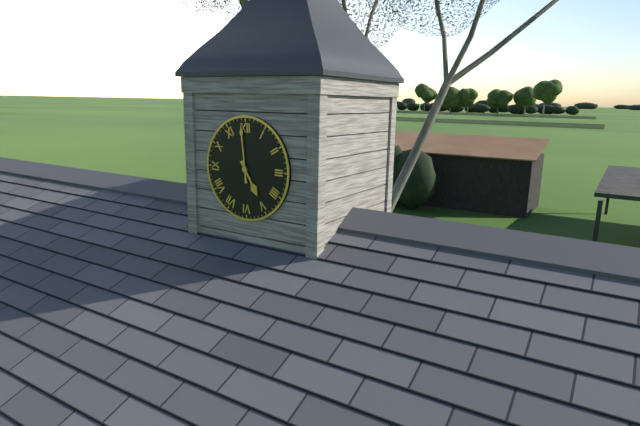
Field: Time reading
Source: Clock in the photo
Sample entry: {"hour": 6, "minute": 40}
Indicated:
{"hour": 4, "minute": 59}
